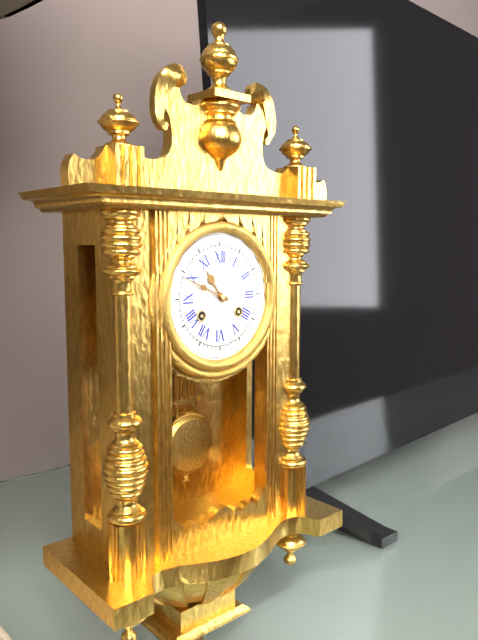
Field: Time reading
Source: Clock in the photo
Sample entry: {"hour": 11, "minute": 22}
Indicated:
{"hour": 10, "minute": 49}
